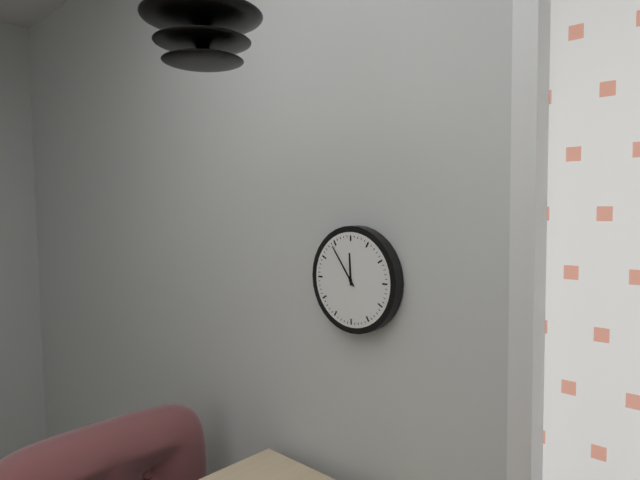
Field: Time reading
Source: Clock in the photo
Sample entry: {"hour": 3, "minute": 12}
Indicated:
{"hour": 11, "minute": 54}
